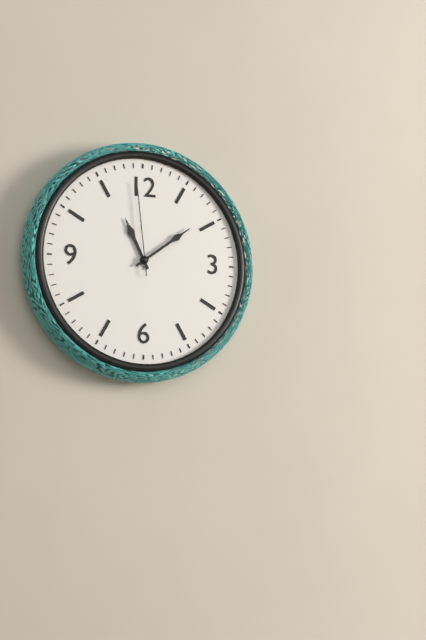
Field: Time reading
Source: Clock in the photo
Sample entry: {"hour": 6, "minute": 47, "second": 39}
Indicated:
{"hour": 11, "minute": 9, "second": 59}
